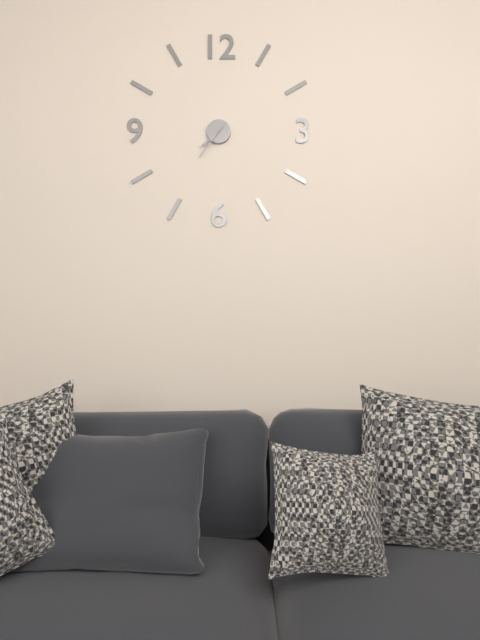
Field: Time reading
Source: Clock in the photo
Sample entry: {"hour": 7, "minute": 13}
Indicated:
{"hour": 7, "minute": 36}
